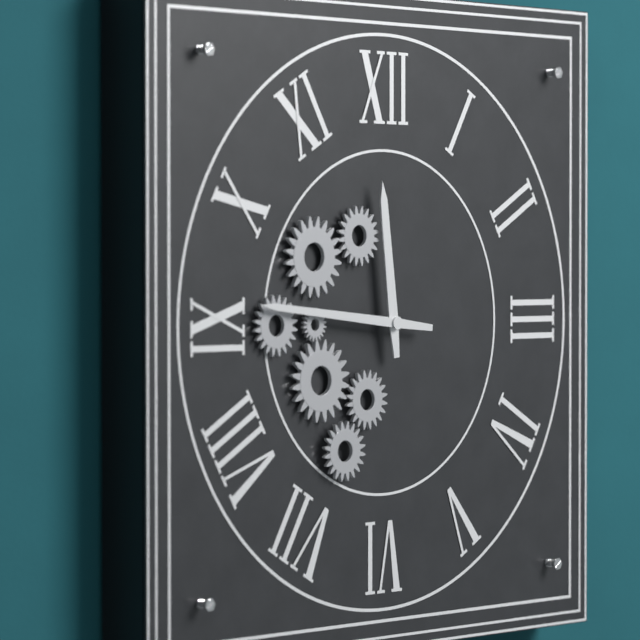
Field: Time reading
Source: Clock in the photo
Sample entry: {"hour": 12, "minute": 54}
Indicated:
{"hour": 11, "minute": 46}
